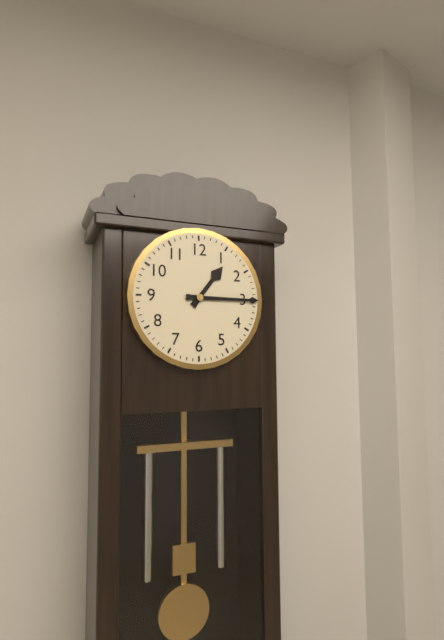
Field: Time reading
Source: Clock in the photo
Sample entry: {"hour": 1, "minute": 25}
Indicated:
{"hour": 1, "minute": 15}
